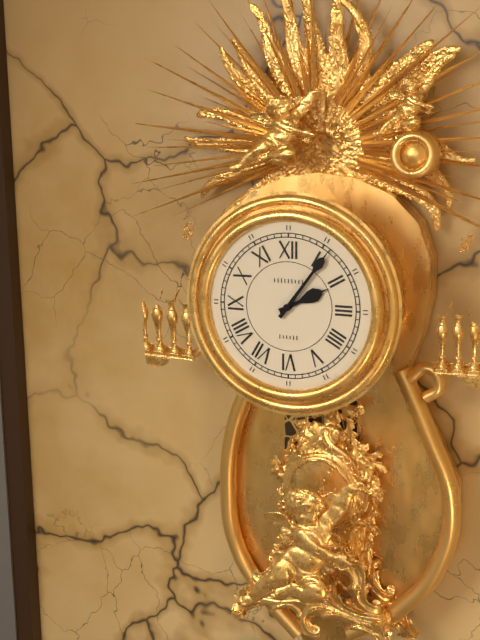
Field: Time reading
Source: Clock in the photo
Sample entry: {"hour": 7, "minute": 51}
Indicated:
{"hour": 2, "minute": 6}
